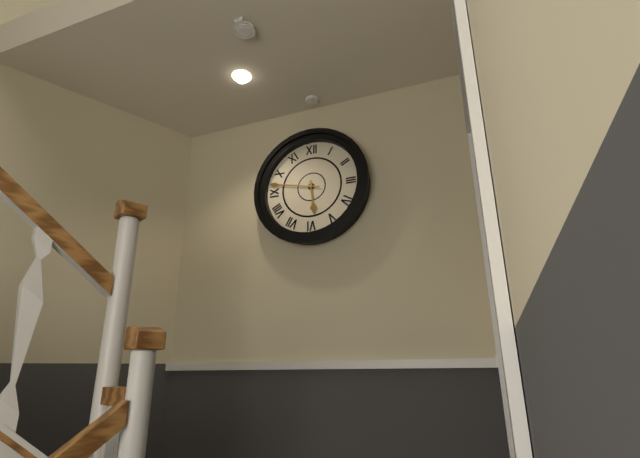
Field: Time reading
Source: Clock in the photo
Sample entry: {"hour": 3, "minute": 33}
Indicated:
{"hour": 5, "minute": 47}
